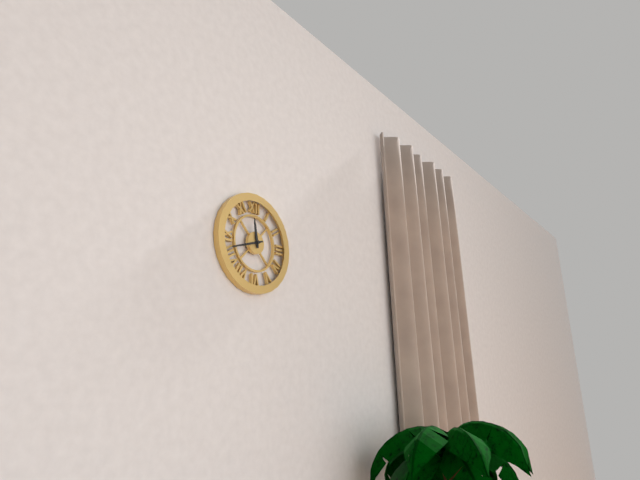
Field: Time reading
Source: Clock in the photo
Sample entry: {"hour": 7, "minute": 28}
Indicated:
{"hour": 11, "minute": 42}
